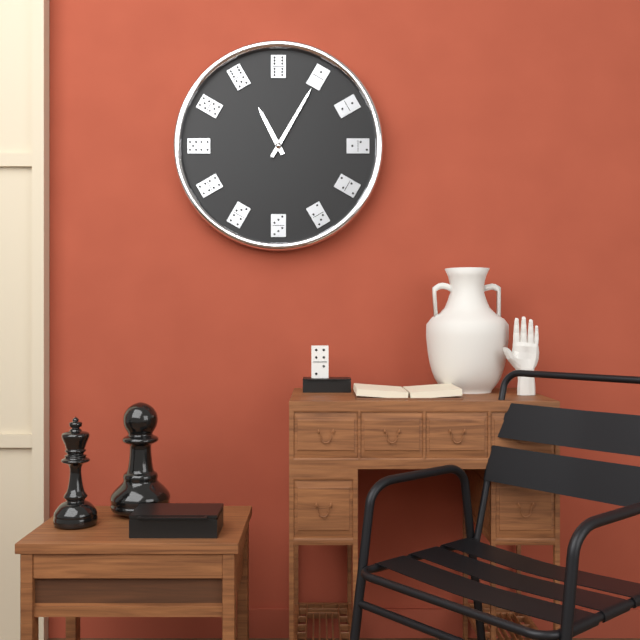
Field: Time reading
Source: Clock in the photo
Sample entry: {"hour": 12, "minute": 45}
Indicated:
{"hour": 11, "minute": 5}
